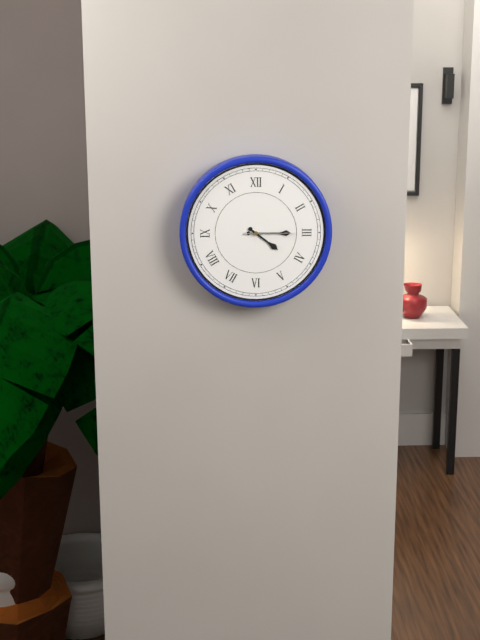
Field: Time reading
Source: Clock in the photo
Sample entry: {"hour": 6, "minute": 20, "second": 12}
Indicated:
{"hour": 4, "minute": 15, "second": 15}
